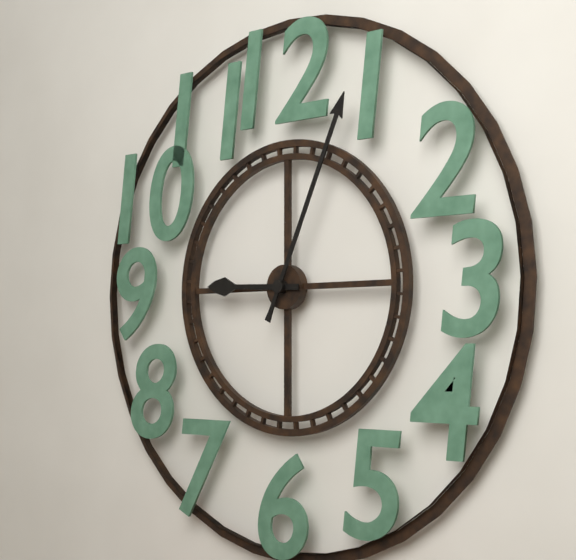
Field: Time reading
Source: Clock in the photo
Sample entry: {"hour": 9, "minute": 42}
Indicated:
{"hour": 9, "minute": 4}
